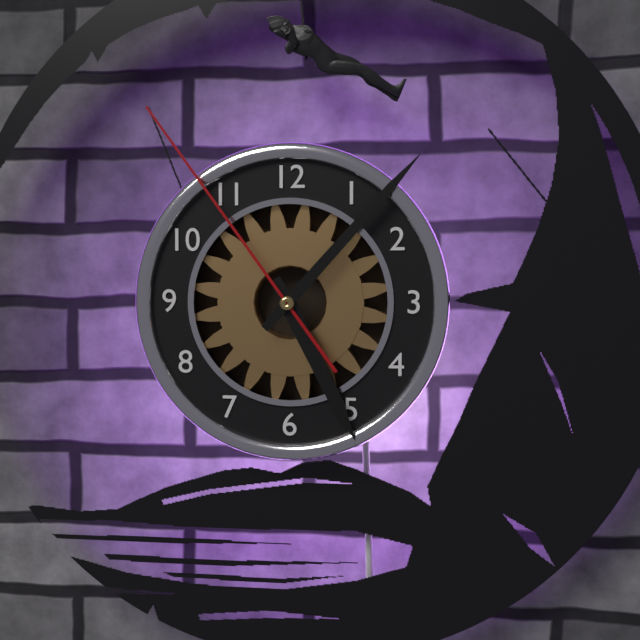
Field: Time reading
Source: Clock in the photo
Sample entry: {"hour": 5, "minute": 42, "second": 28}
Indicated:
{"hour": 5, "minute": 7, "second": 54}
